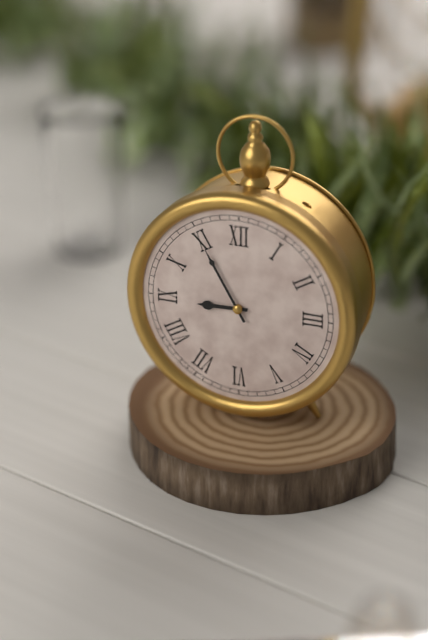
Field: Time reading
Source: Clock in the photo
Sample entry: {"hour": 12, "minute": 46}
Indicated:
{"hour": 8, "minute": 55}
